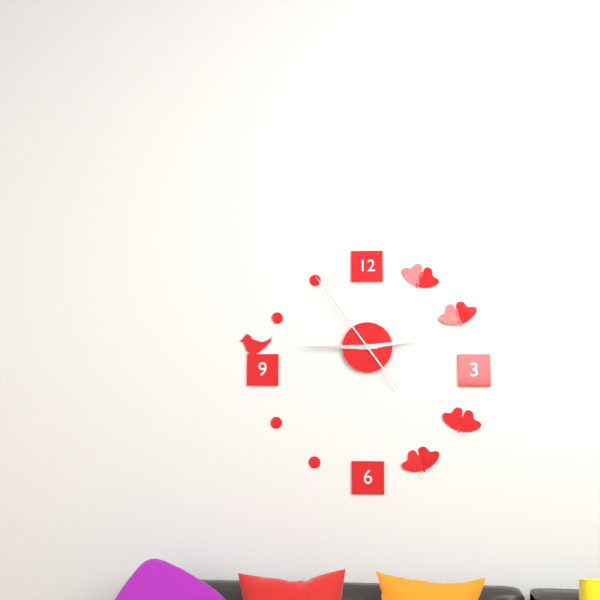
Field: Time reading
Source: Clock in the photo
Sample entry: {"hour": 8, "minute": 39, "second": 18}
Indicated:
{"hour": 2, "minute": 45, "second": 54}
